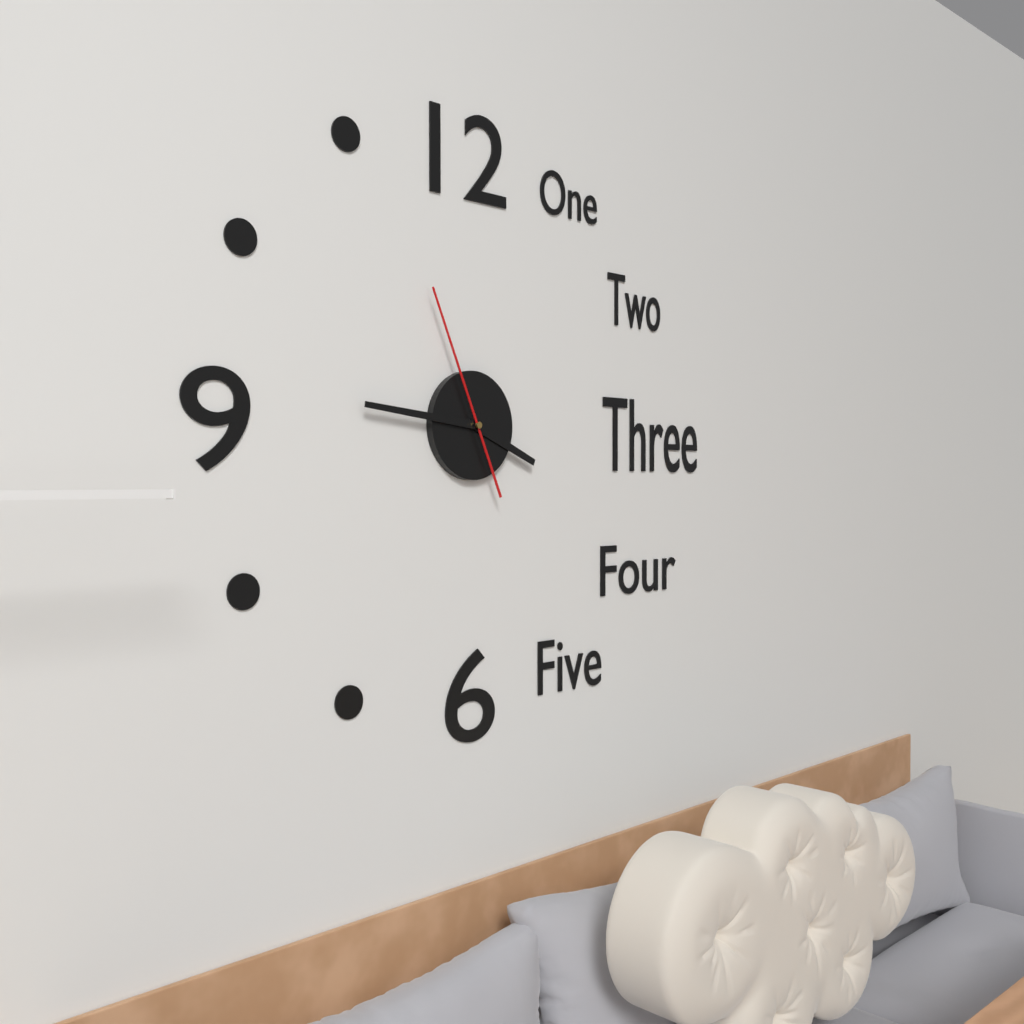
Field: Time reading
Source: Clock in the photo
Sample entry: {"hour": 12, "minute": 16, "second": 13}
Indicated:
{"hour": 3, "minute": 46, "second": 56}
